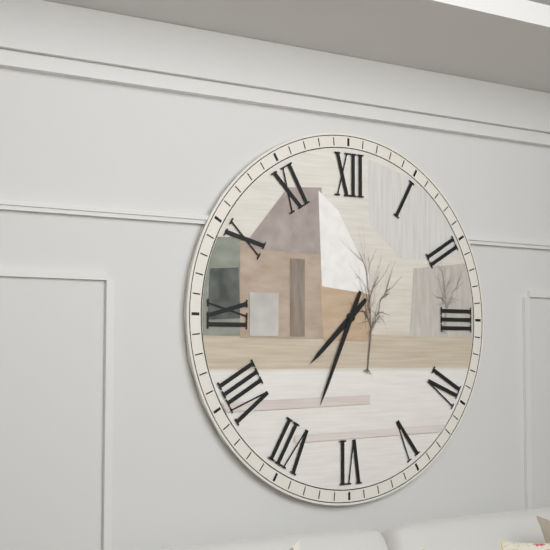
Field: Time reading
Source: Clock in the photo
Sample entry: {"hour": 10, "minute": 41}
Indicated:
{"hour": 7, "minute": 34}
